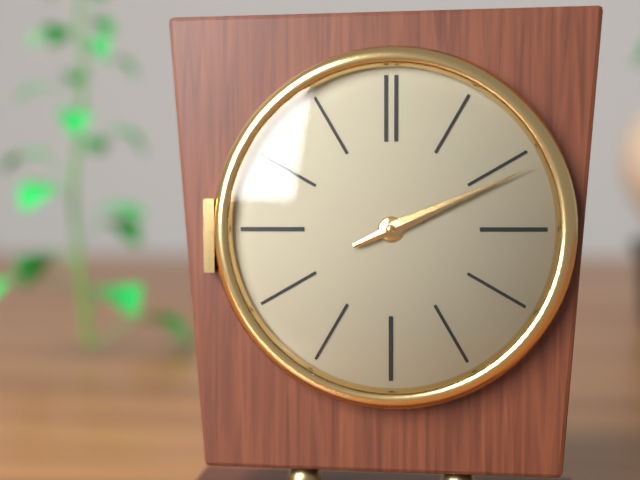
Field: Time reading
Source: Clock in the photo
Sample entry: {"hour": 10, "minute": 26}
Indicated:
{"hour": 2, "minute": 11}
